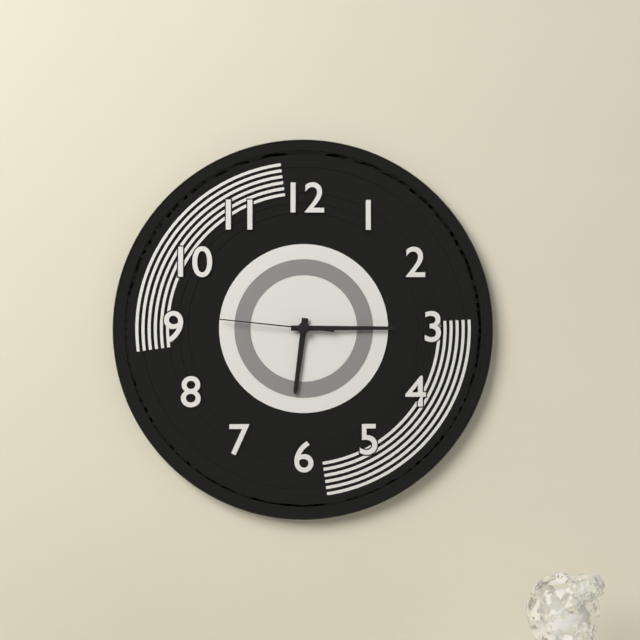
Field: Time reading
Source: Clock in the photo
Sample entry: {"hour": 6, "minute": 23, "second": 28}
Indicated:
{"hour": 6, "minute": 15, "second": 46}
